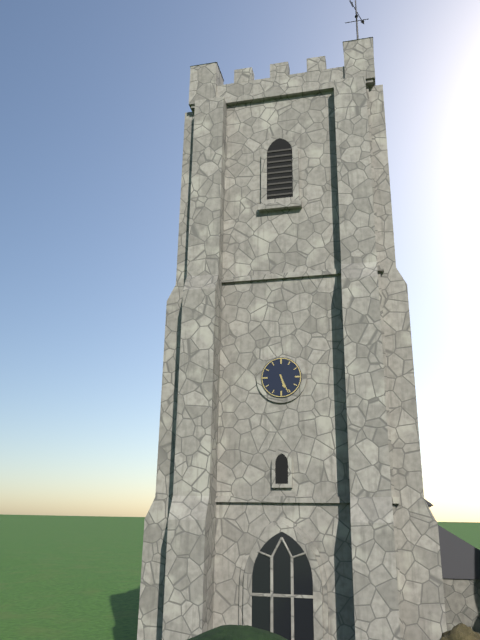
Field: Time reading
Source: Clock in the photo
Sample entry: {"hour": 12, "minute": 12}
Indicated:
{"hour": 5, "minute": 26}
